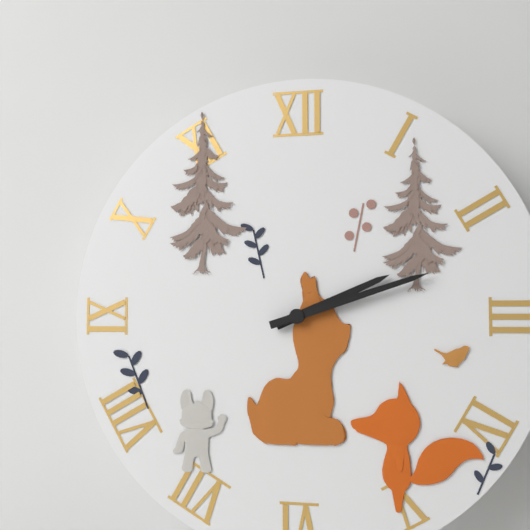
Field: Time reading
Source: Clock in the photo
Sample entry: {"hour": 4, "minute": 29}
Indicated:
{"hour": 2, "minute": 12}
